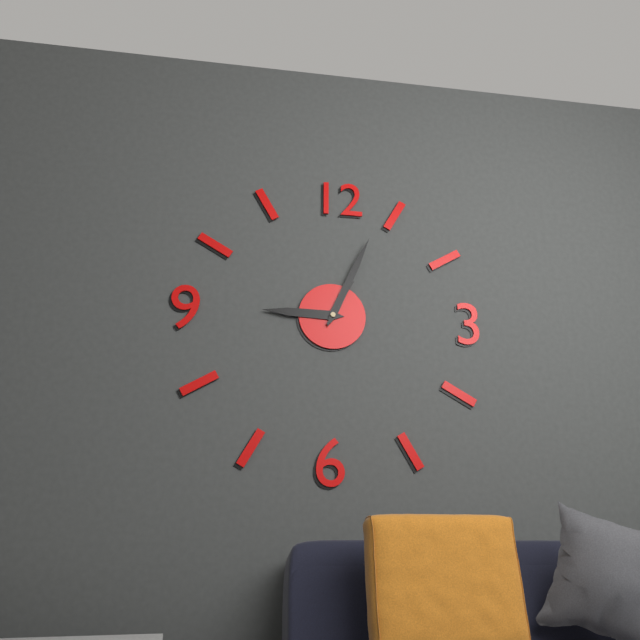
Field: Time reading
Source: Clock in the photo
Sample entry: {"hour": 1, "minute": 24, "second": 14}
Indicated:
{"hour": 9, "minute": 4, "second": 5}
